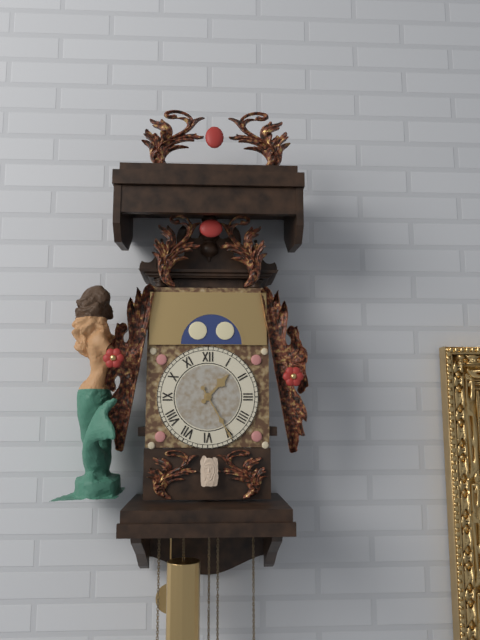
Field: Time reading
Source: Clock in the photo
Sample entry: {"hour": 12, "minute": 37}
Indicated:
{"hour": 1, "minute": 25}
